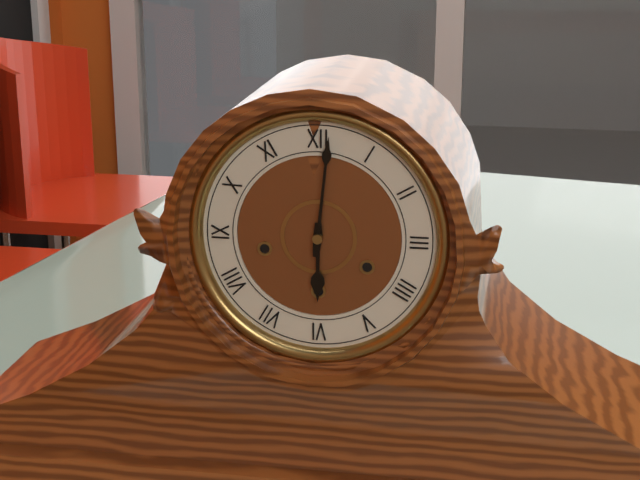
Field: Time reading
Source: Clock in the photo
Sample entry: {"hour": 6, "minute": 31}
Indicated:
{"hour": 6, "minute": 1}
